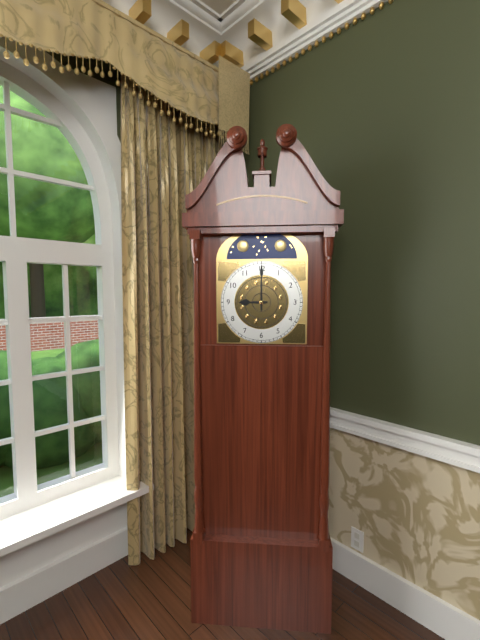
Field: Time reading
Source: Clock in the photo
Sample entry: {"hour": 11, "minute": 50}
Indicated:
{"hour": 9, "minute": 0}
